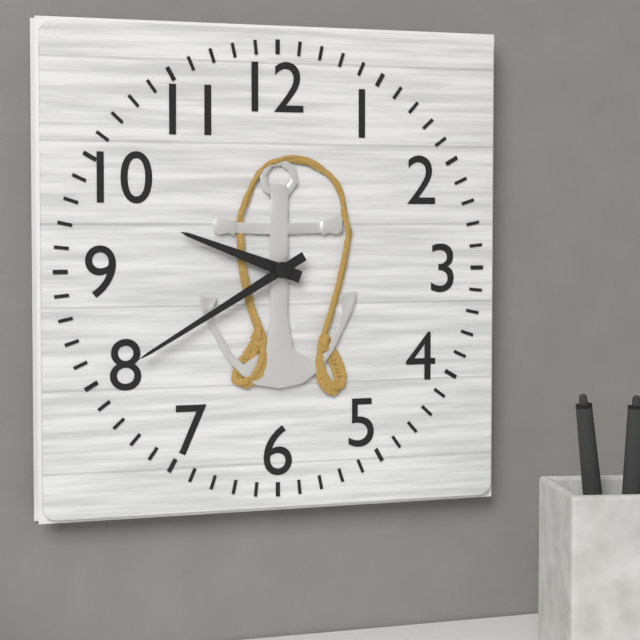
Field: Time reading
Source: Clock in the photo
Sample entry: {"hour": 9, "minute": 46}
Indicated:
{"hour": 9, "minute": 40}
